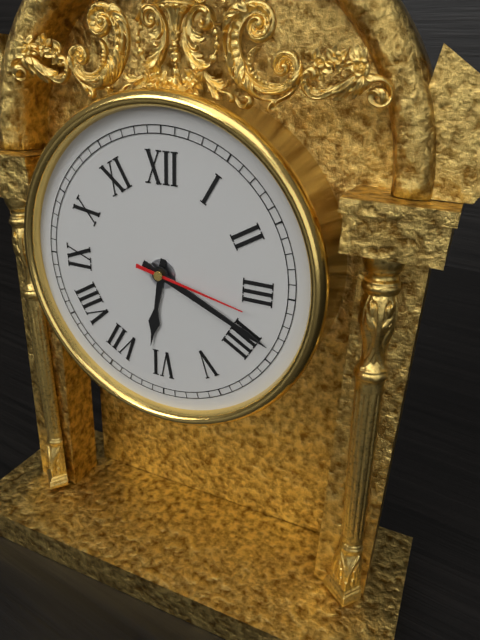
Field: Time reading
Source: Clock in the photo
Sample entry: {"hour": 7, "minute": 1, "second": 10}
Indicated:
{"hour": 6, "minute": 19, "second": 17}
